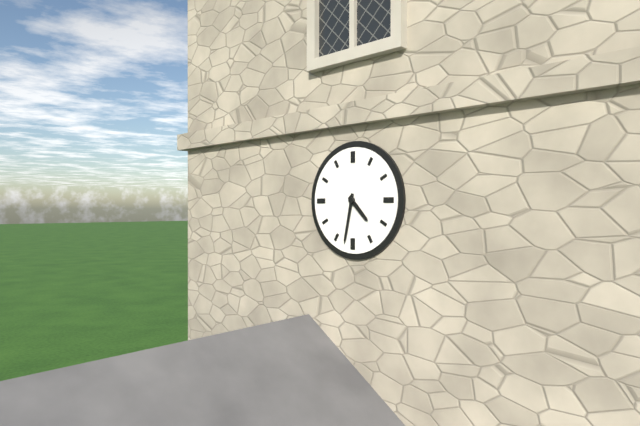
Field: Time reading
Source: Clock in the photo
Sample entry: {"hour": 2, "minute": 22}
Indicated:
{"hour": 4, "minute": 32}
